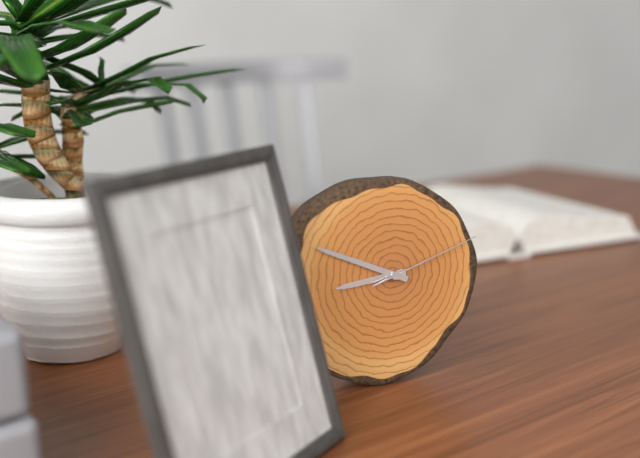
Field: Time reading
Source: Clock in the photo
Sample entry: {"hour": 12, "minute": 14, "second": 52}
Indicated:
{"hour": 8, "minute": 49, "second": 12}
